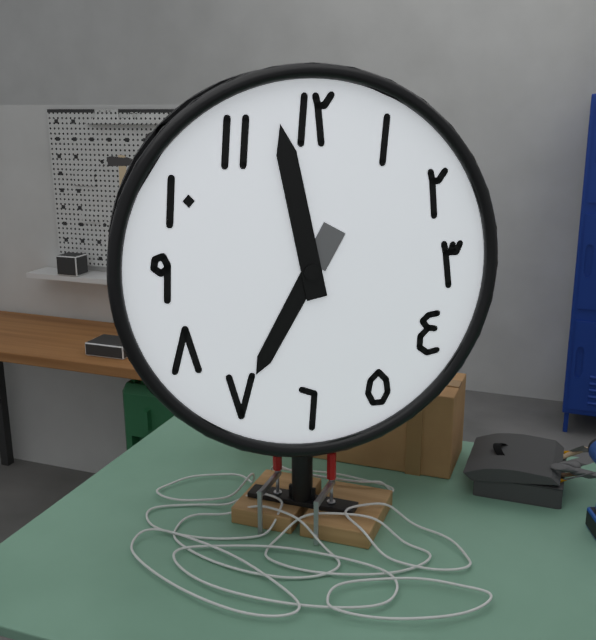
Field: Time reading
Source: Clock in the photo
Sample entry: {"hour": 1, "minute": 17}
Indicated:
{"hour": 6, "minute": 58}
